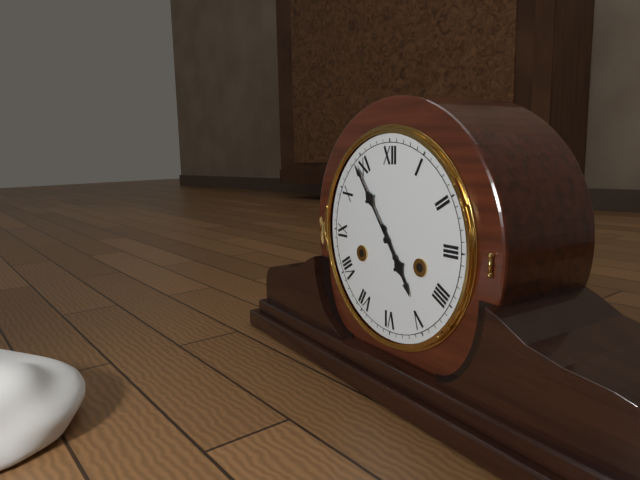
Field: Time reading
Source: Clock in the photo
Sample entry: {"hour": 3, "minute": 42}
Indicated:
{"hour": 4, "minute": 54}
